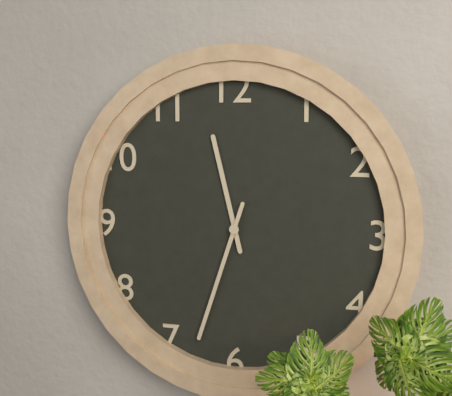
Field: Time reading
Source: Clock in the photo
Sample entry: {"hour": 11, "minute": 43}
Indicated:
{"hour": 11, "minute": 33}
